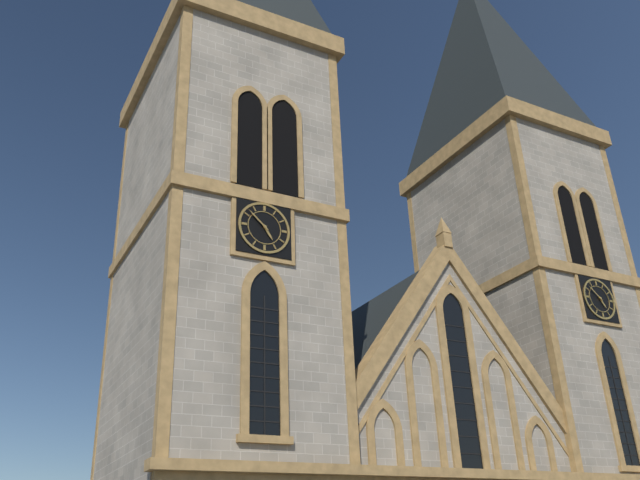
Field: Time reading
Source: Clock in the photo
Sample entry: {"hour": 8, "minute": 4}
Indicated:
{"hour": 4, "minute": 52}
